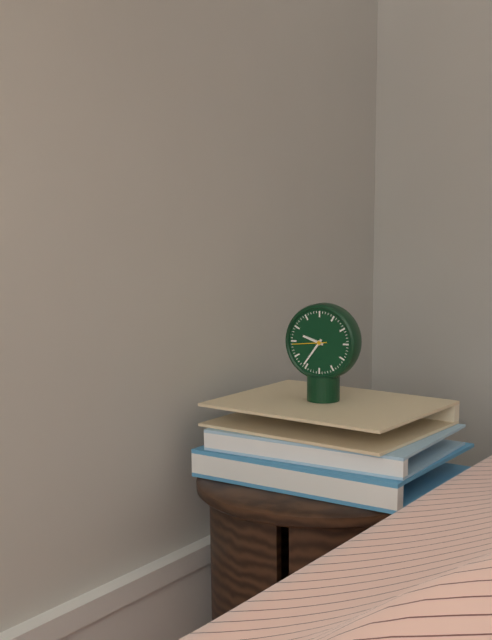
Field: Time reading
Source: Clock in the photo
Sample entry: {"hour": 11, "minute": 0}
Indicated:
{"hour": 9, "minute": 36}
